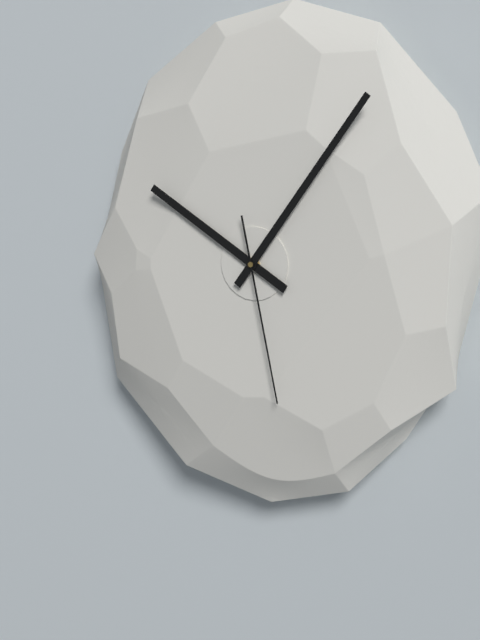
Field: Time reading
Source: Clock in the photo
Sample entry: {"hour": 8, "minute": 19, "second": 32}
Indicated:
{"hour": 10, "minute": 6, "second": 28}
